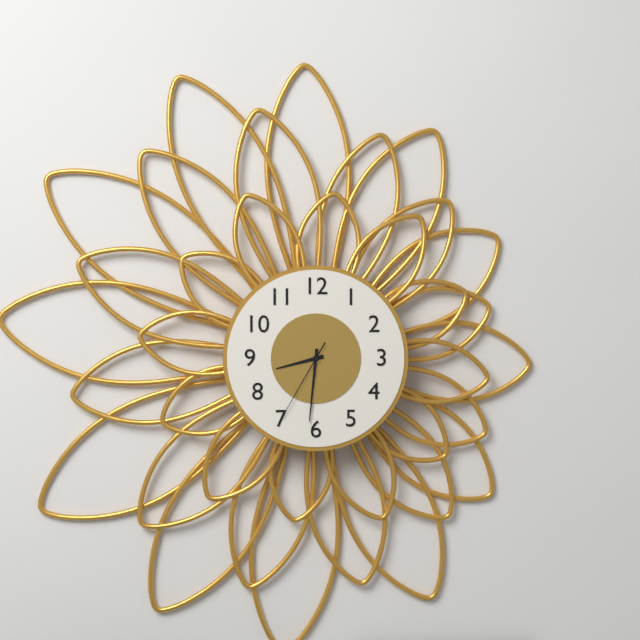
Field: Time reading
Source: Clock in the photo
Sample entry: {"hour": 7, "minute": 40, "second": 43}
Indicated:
{"hour": 8, "minute": 31, "second": 35}
